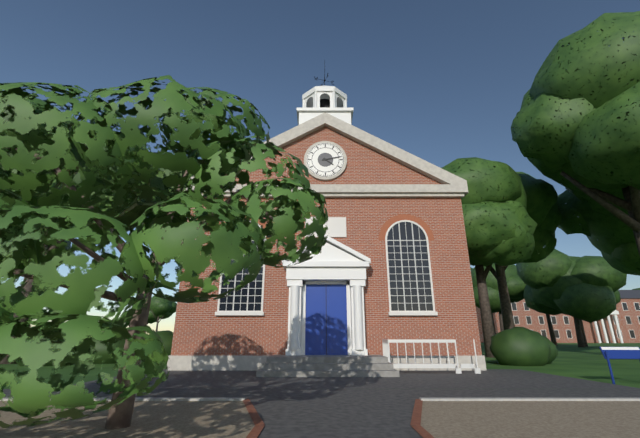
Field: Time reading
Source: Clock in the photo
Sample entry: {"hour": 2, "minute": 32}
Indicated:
{"hour": 4, "minute": 13}
